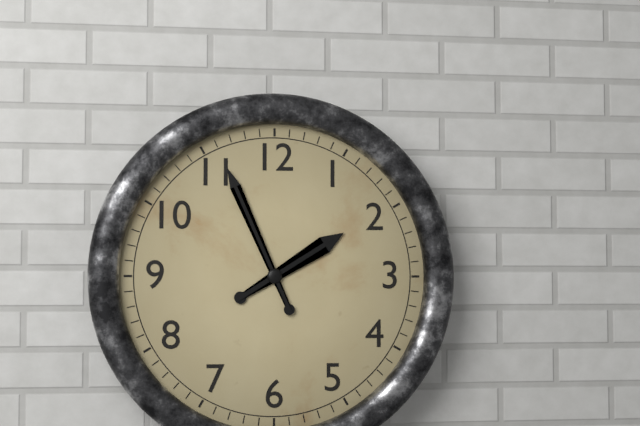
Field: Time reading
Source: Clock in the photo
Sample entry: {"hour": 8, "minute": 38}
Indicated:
{"hour": 1, "minute": 56}
